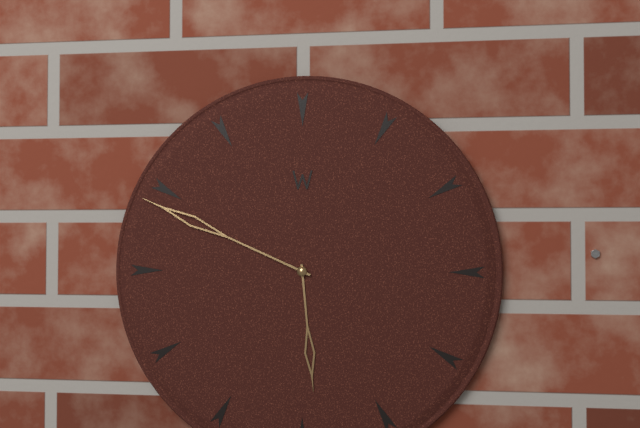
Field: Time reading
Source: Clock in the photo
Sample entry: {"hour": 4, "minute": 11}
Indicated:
{"hour": 5, "minute": 49}
